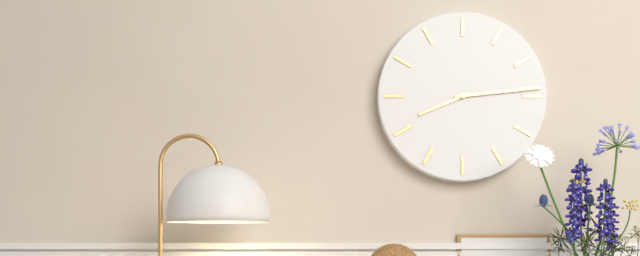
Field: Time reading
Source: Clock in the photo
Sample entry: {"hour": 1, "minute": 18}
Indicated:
{"hour": 8, "minute": 14}
